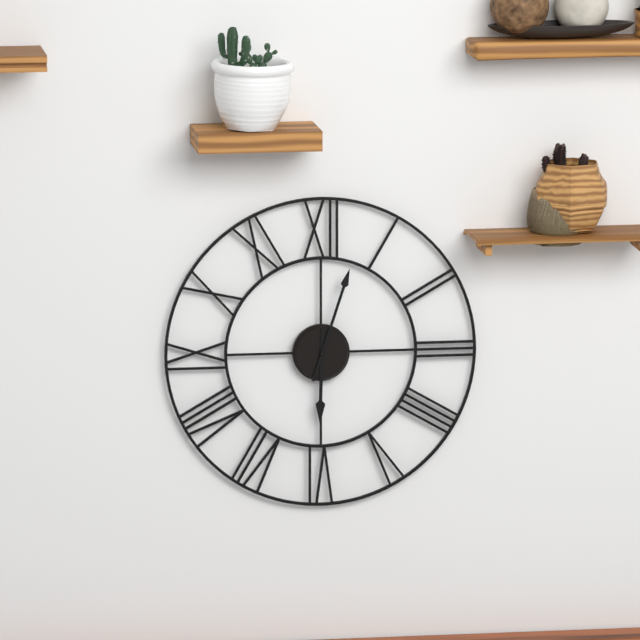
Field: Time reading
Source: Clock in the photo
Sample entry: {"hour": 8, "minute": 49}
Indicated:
{"hour": 6, "minute": 3}
